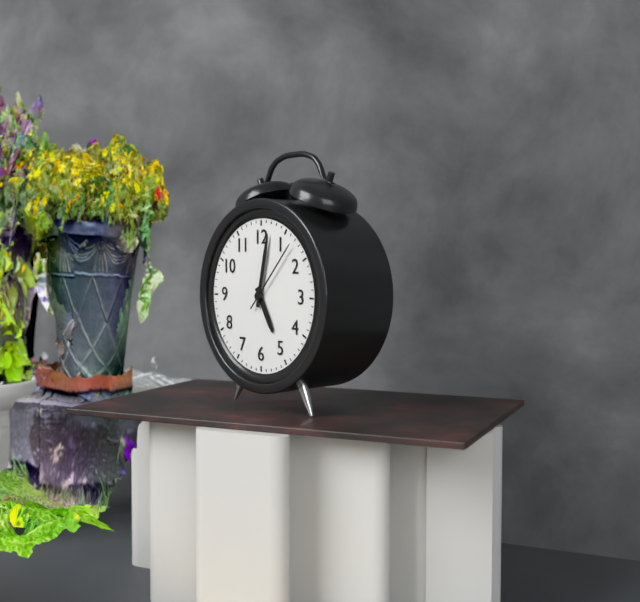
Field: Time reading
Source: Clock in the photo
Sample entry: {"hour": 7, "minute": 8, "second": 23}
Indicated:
{"hour": 5, "minute": 2, "second": 7}
